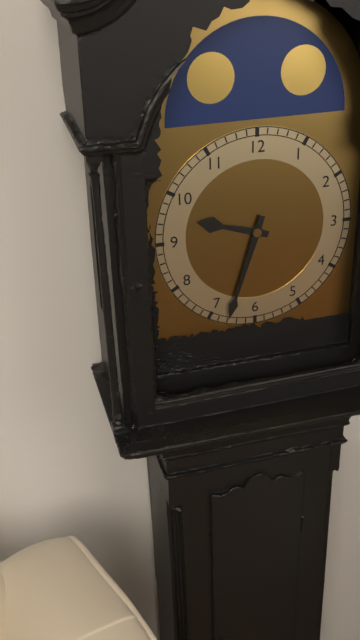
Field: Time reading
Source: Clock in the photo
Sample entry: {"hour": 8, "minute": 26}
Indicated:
{"hour": 9, "minute": 33}
